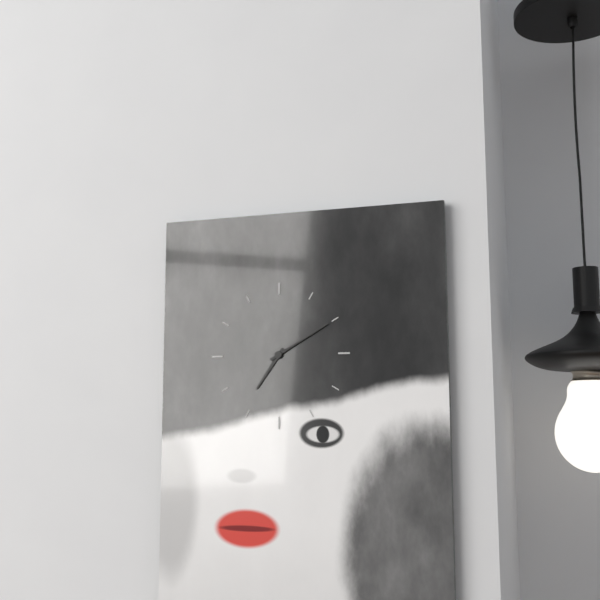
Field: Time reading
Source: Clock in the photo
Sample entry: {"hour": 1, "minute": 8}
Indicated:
{"hour": 7, "minute": 10}
